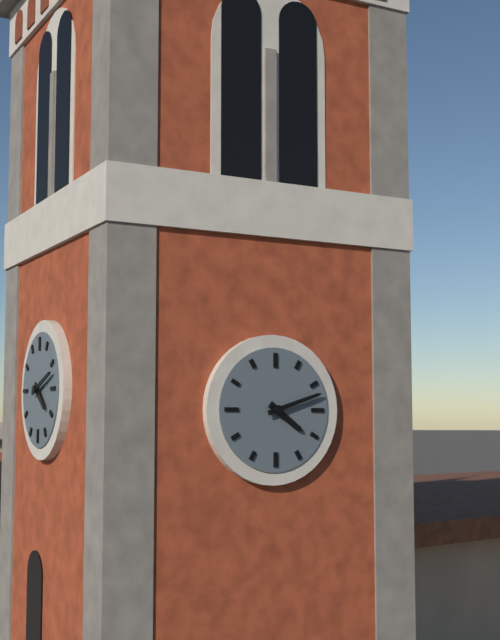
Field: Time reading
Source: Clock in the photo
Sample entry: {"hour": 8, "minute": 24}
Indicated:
{"hour": 4, "minute": 12}
